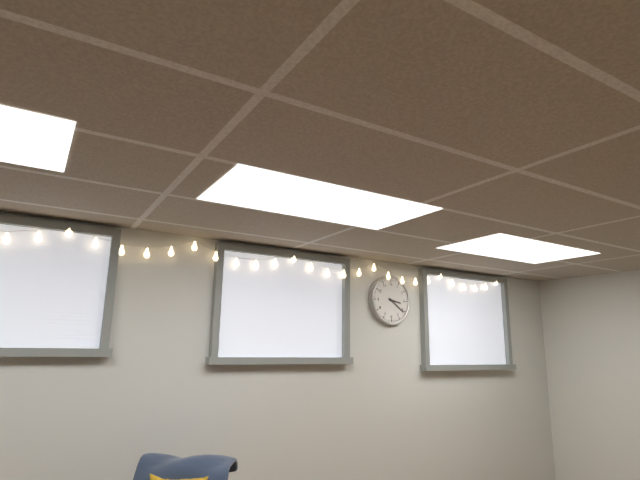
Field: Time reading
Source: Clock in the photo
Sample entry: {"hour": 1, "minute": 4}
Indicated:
{"hour": 3, "minute": 21}
